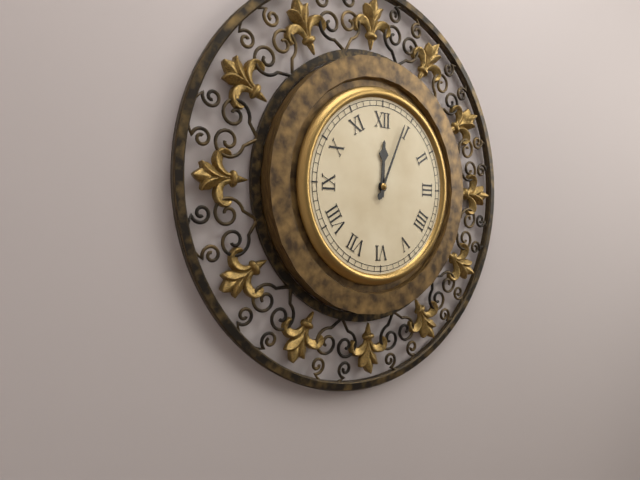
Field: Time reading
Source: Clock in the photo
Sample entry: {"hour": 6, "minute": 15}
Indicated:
{"hour": 12, "minute": 4}
